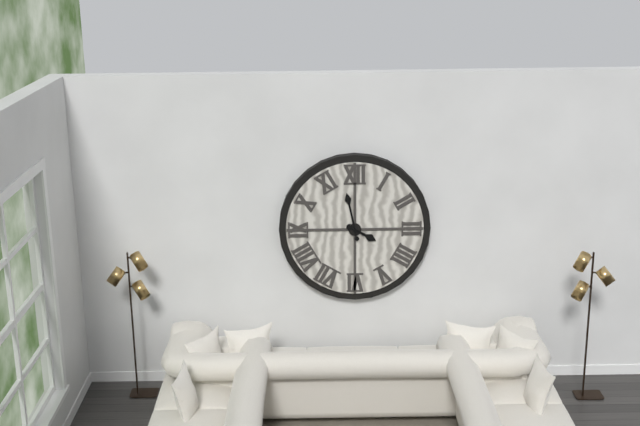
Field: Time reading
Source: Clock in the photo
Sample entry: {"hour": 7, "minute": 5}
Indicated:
{"hour": 3, "minute": 58}
